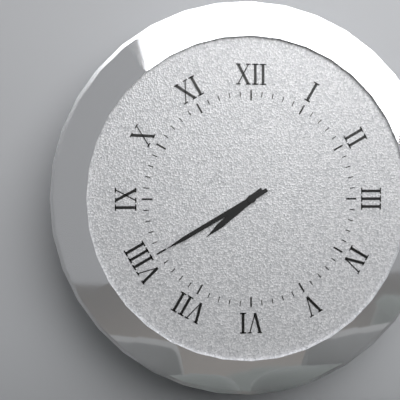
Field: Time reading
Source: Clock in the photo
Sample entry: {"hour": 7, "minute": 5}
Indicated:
{"hour": 7, "minute": 40}
